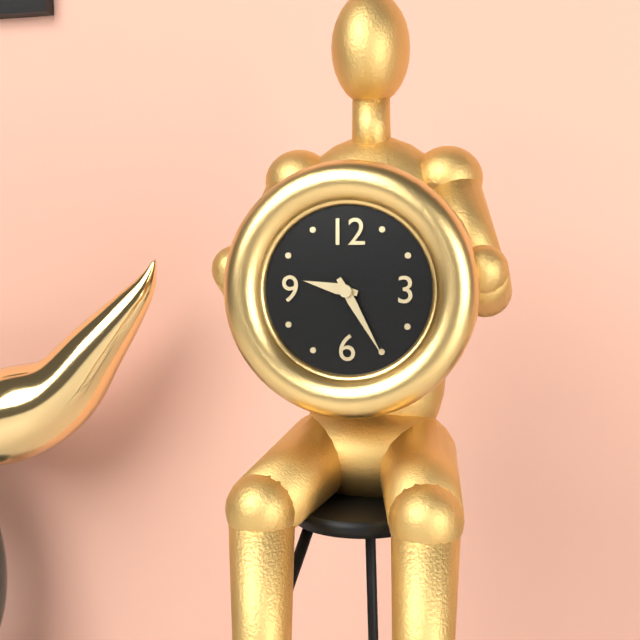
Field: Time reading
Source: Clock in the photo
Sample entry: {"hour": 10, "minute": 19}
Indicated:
{"hour": 9, "minute": 25}
